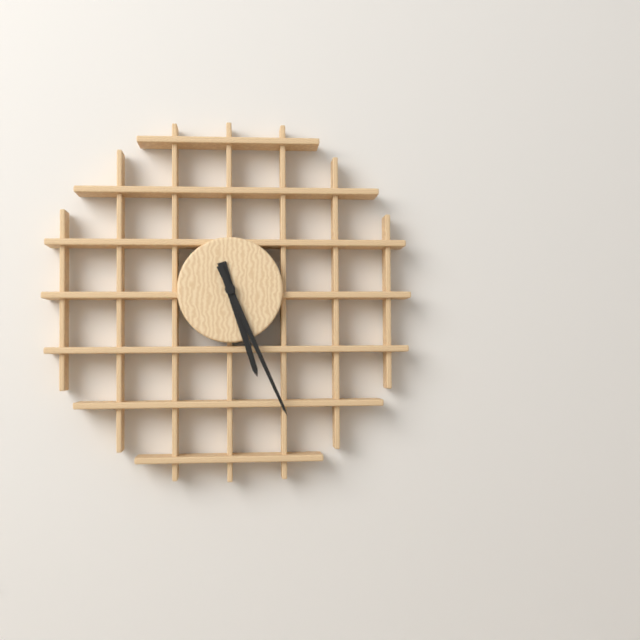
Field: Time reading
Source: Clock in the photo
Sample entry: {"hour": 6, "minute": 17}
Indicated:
{"hour": 5, "minute": 26}
